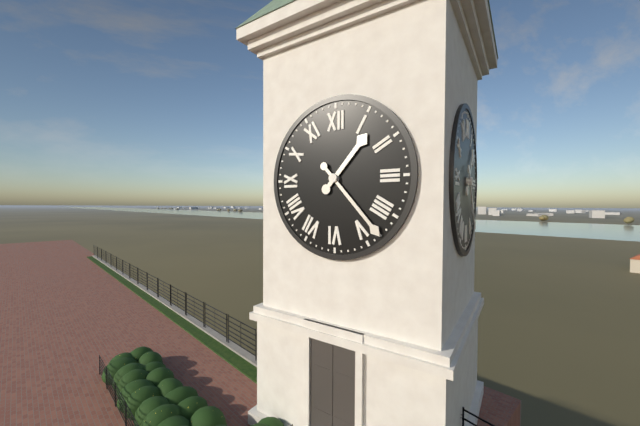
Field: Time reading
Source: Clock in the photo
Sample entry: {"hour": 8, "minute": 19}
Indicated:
{"hour": 1, "minute": 23}
